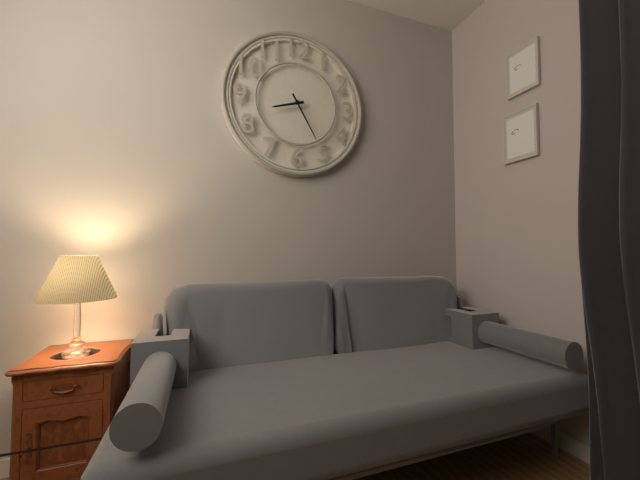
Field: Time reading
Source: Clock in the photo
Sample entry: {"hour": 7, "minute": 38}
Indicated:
{"hour": 8, "minute": 25}
